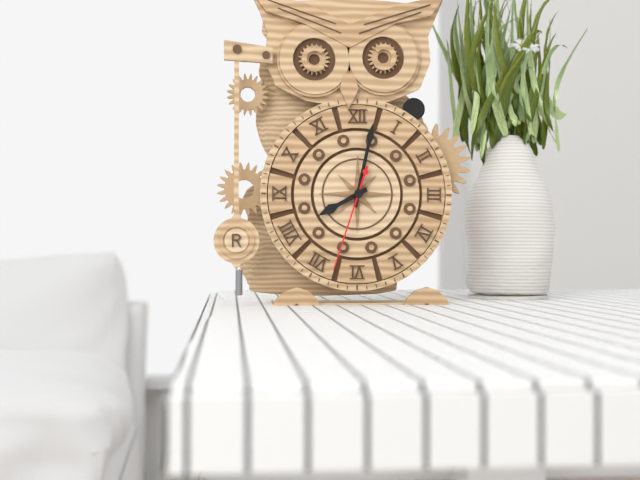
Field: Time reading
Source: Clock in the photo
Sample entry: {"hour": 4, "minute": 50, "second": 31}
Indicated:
{"hour": 8, "minute": 2, "second": 33}
